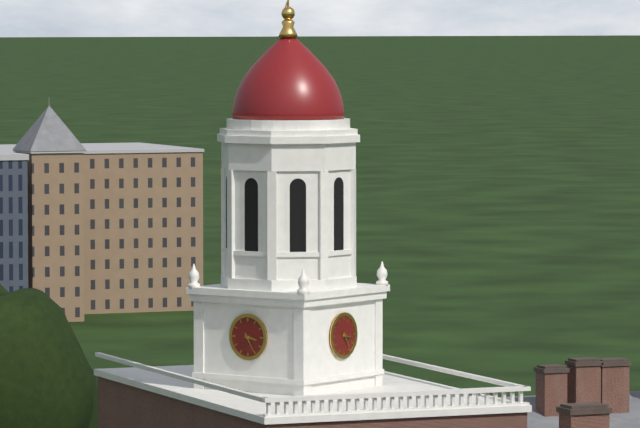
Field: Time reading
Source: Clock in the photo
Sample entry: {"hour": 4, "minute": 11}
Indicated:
{"hour": 3, "minute": 25}
